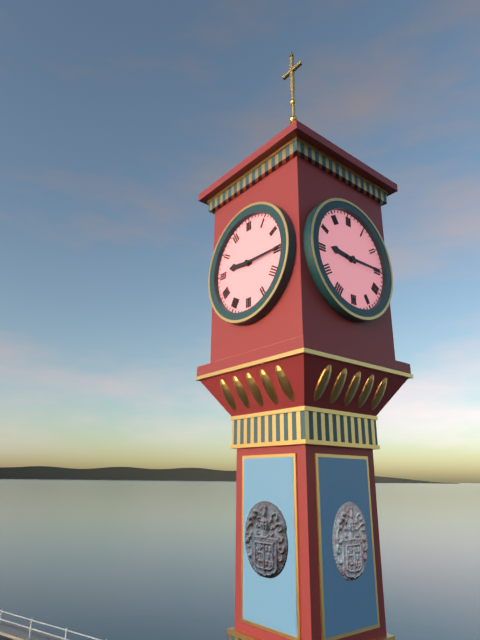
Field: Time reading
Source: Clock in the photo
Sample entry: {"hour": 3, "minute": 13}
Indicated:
{"hour": 9, "minute": 15}
